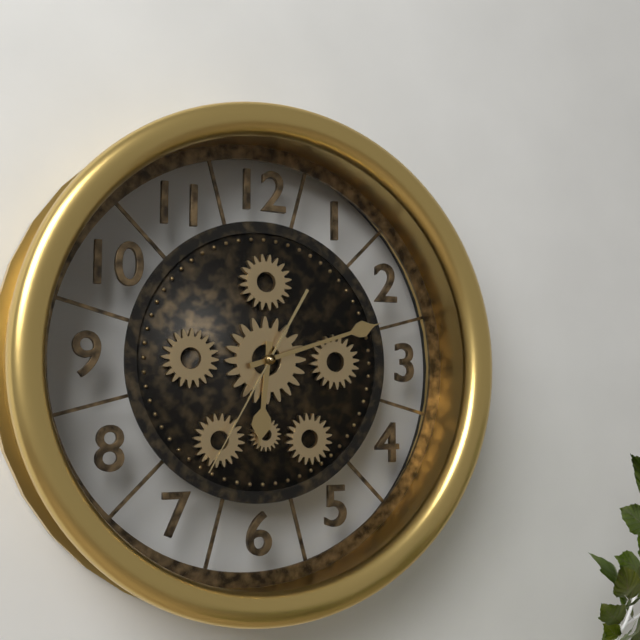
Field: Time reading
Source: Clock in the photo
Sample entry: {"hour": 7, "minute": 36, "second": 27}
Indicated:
{"hour": 6, "minute": 12, "second": 35}
